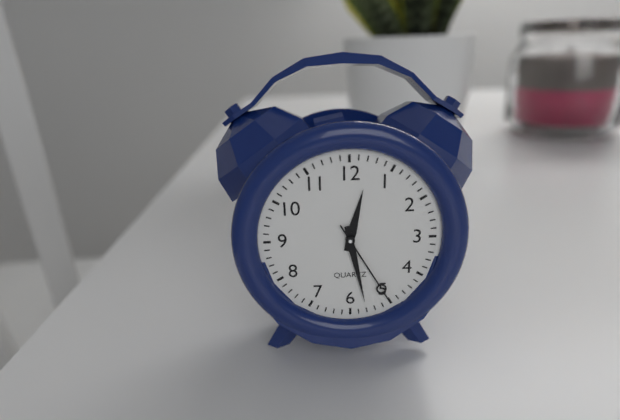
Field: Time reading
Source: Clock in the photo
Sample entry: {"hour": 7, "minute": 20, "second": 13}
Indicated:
{"hour": 12, "minute": 28, "second": 25}
